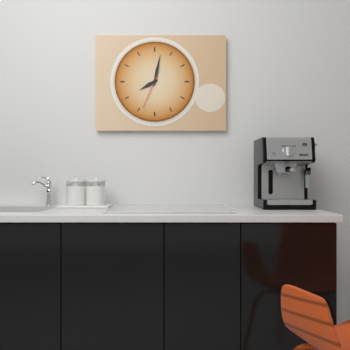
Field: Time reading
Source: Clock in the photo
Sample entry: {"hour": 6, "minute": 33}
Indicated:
{"hour": 8, "minute": 2}
